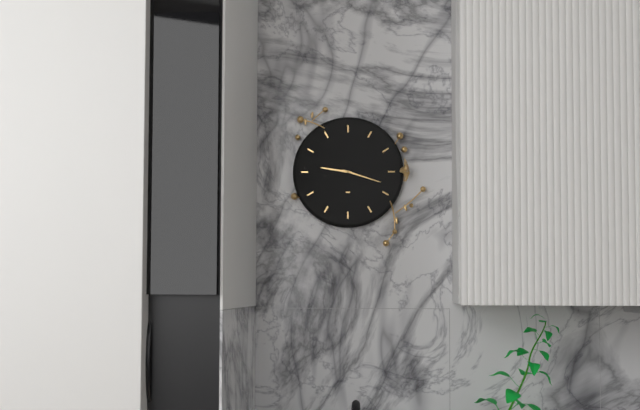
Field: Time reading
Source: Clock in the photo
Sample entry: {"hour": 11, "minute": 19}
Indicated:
{"hour": 9, "minute": 18}
